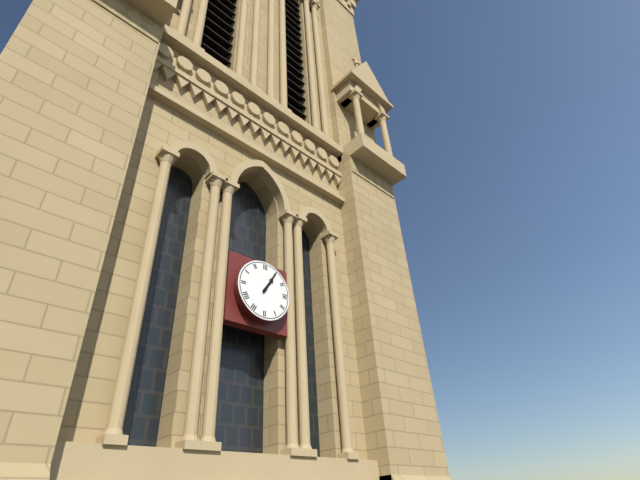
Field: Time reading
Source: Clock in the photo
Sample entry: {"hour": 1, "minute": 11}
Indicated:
{"hour": 1, "minute": 5}
